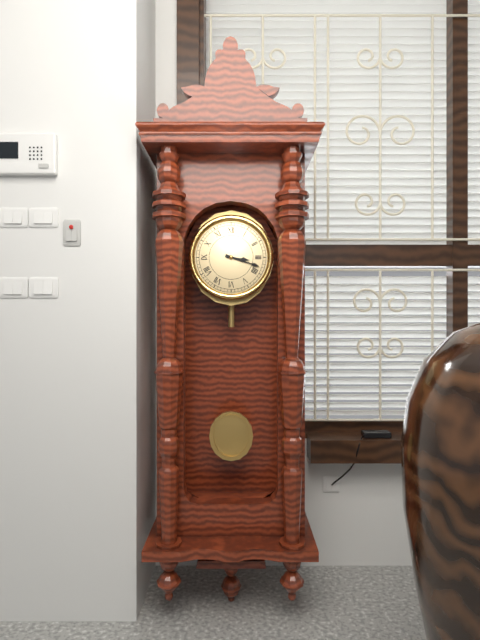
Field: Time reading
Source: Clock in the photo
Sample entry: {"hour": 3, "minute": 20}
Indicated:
{"hour": 3, "minute": 18}
